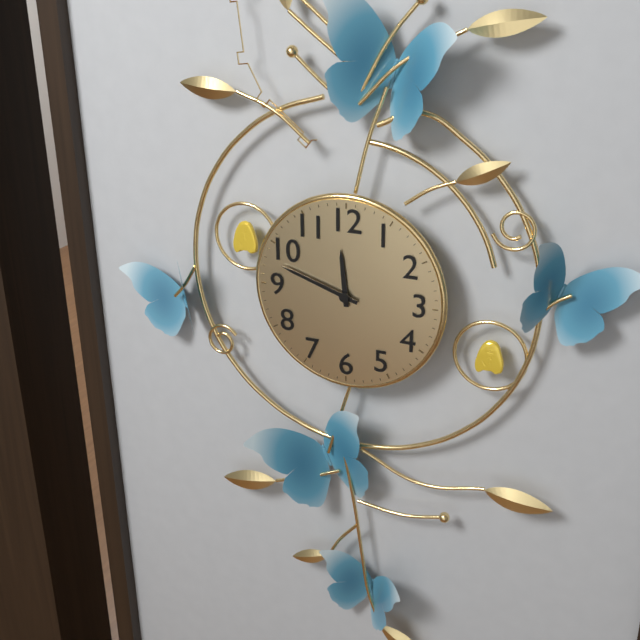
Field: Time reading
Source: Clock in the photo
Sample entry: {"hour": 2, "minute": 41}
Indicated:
{"hour": 11, "minute": 48}
